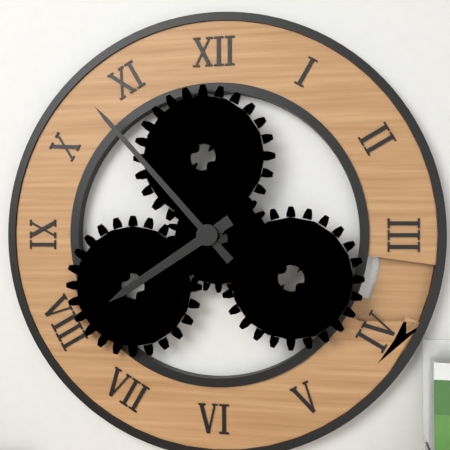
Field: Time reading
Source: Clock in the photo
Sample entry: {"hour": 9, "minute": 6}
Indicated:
{"hour": 7, "minute": 53}
